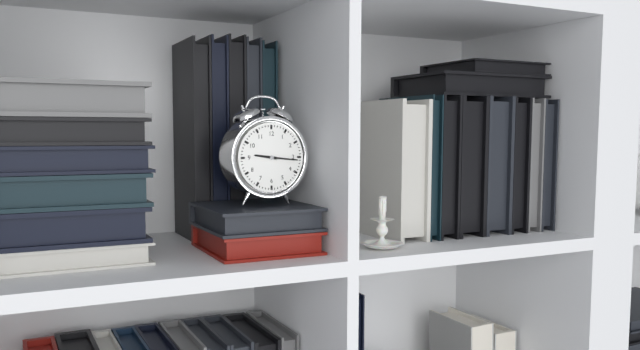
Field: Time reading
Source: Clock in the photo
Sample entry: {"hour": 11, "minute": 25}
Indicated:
{"hour": 9, "minute": 16}
